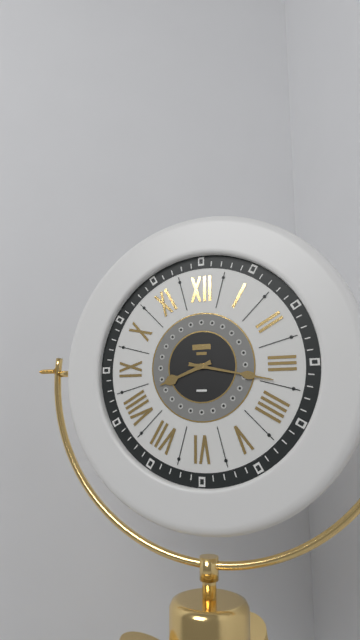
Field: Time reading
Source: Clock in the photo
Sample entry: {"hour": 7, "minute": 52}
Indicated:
{"hour": 8, "minute": 17}
